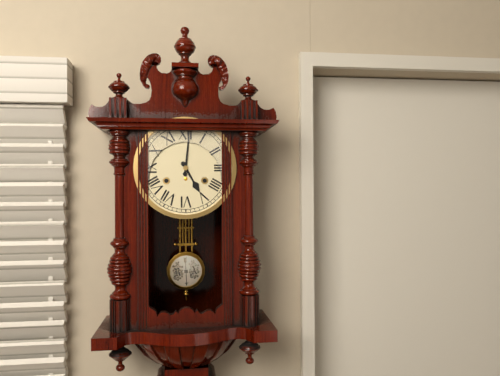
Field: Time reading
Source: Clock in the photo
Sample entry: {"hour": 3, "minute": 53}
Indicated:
{"hour": 5, "minute": 1}
